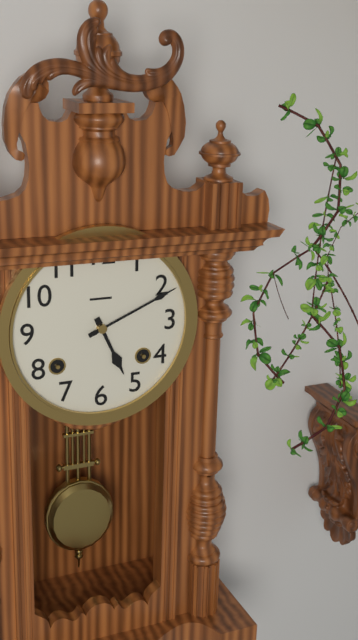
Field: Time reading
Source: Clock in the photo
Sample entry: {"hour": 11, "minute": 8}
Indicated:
{"hour": 5, "minute": 11}
